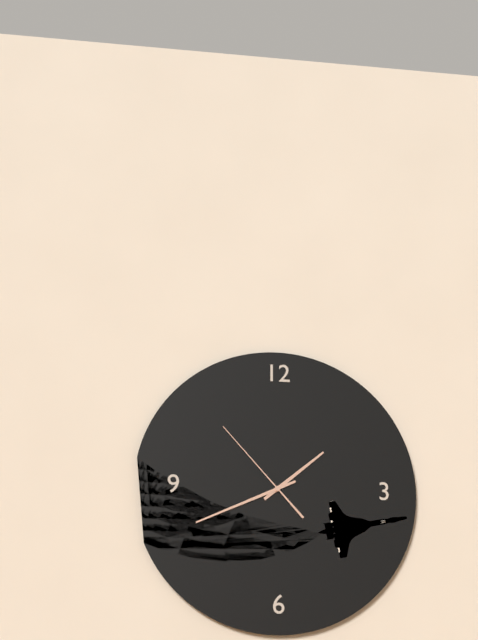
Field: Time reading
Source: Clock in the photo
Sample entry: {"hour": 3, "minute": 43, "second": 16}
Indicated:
{"hour": 1, "minute": 41, "second": 53}
